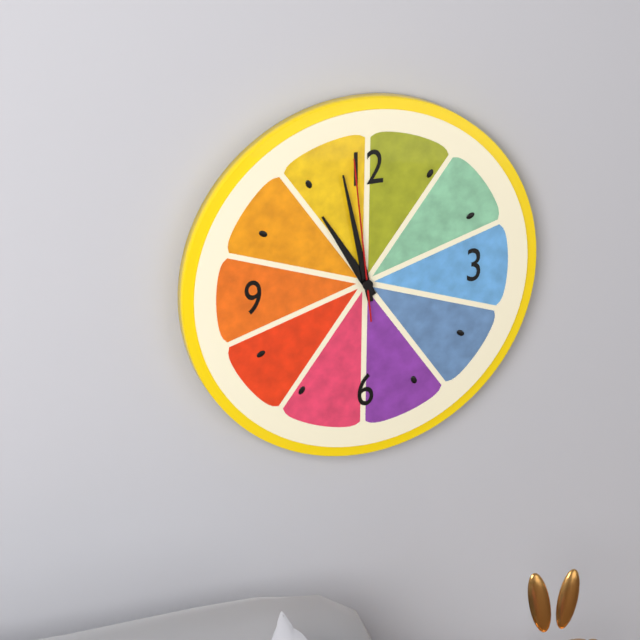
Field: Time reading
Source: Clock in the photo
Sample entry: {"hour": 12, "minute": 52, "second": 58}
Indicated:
{"hour": 10, "minute": 58, "second": 59}
